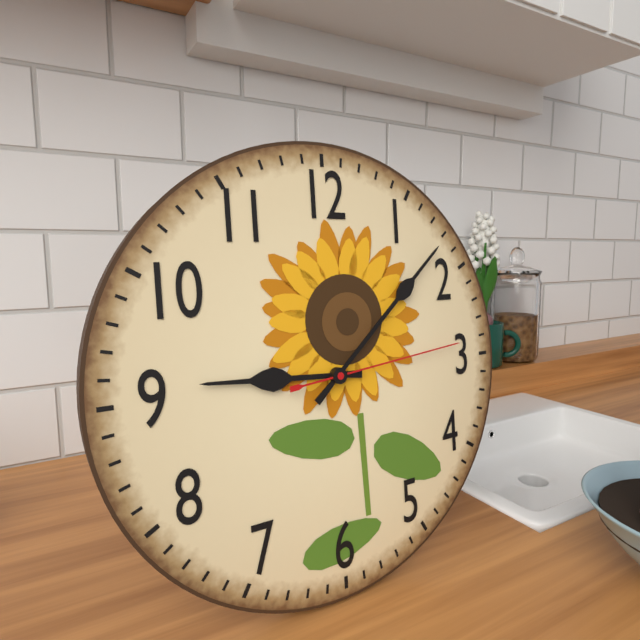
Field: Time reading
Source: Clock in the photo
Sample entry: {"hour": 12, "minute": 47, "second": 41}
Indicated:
{"hour": 9, "minute": 8, "second": 14}
